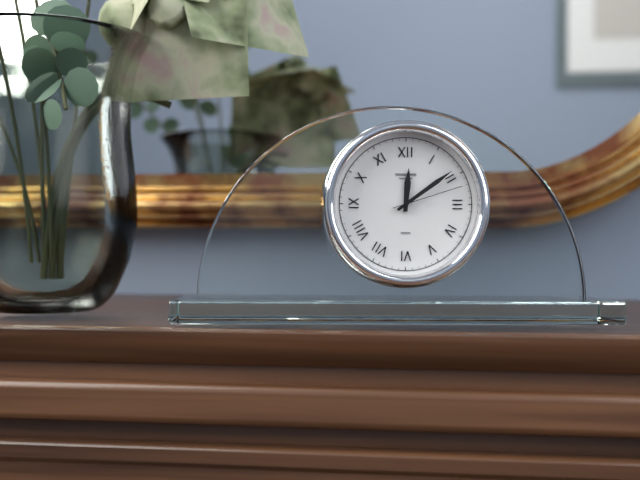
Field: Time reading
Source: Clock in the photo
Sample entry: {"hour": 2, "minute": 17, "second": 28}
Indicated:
{"hour": 12, "minute": 9, "second": 12}
